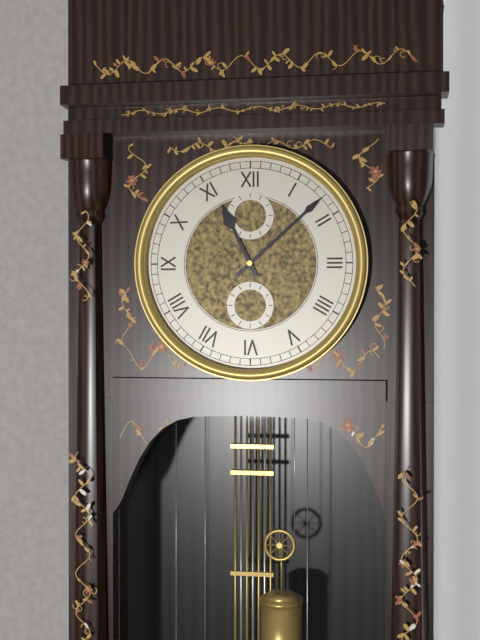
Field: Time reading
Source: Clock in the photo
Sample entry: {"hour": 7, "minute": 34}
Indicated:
{"hour": 11, "minute": 8}
